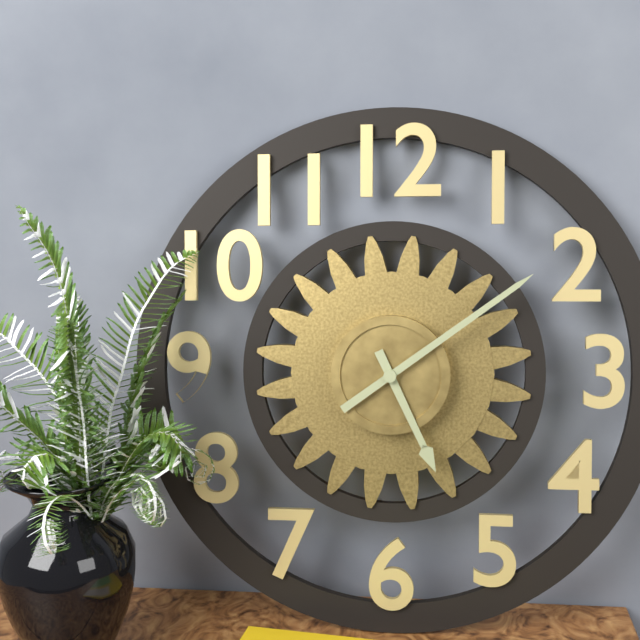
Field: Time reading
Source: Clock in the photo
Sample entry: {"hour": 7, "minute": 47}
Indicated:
{"hour": 5, "minute": 9}
